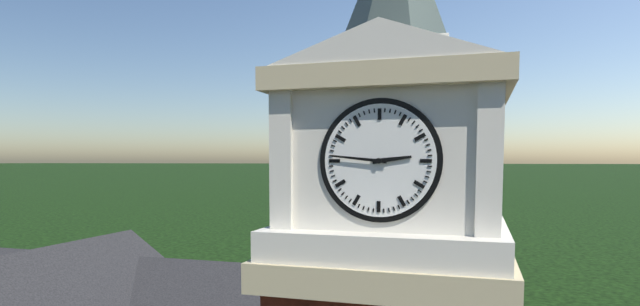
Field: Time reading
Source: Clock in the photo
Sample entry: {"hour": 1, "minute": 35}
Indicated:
{"hour": 2, "minute": 46}
